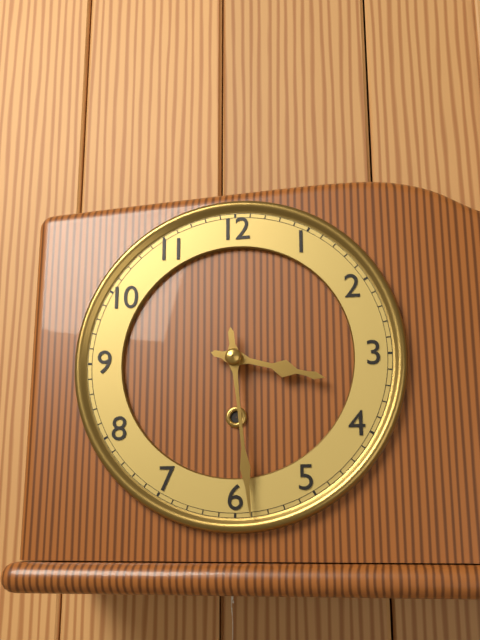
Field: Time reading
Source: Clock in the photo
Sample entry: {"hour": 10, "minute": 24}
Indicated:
{"hour": 3, "minute": 29}
